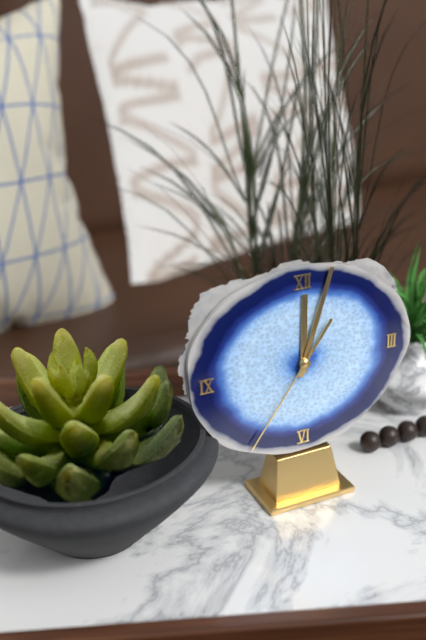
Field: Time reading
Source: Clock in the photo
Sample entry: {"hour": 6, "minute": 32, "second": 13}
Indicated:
{"hour": 12, "minute": 3, "second": 36}
